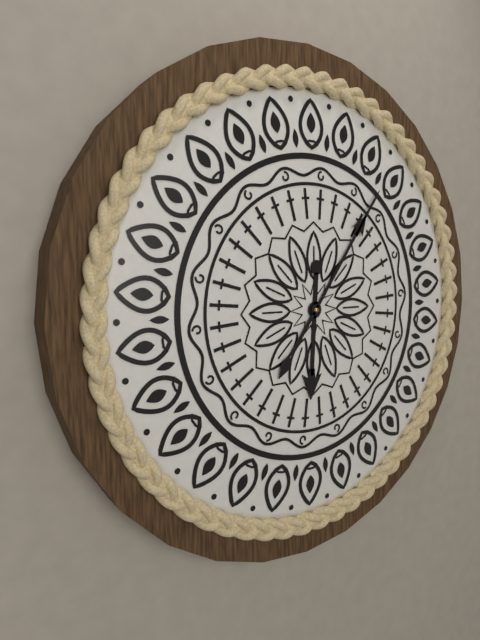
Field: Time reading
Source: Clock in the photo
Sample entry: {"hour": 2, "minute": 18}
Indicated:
{"hour": 6, "minute": 6}
